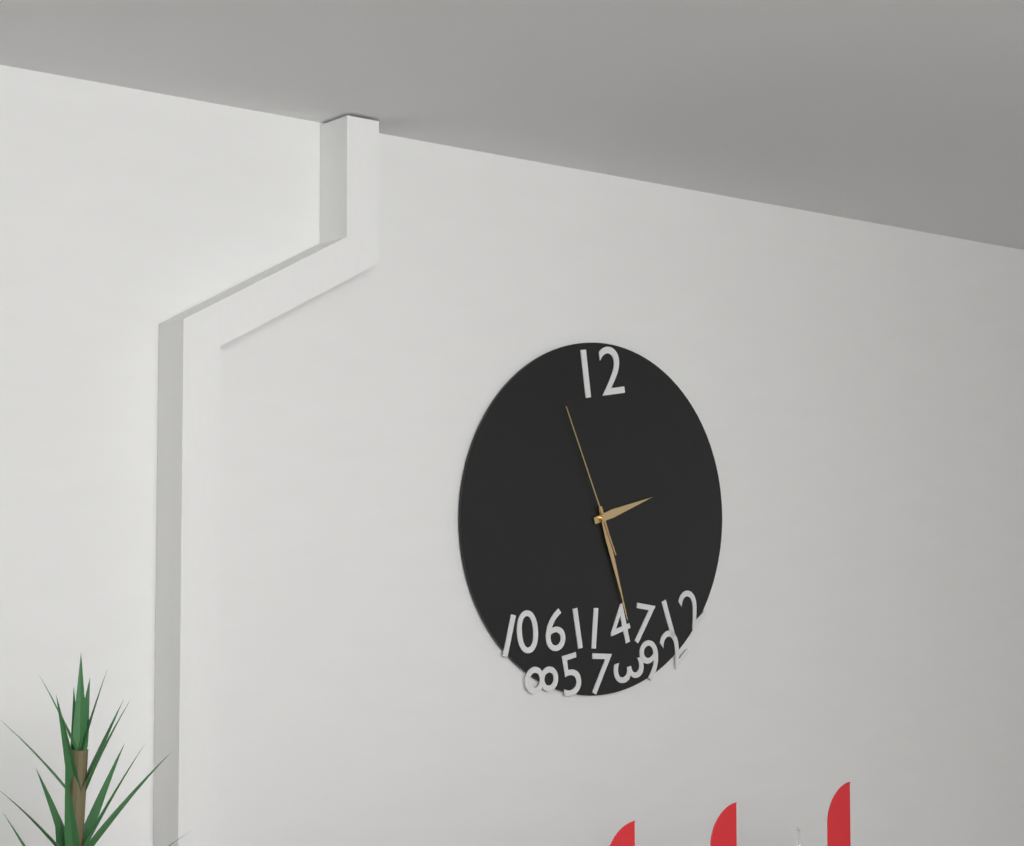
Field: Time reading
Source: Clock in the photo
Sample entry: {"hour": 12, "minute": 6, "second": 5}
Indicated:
{"hour": 2, "minute": 27, "second": 56}
